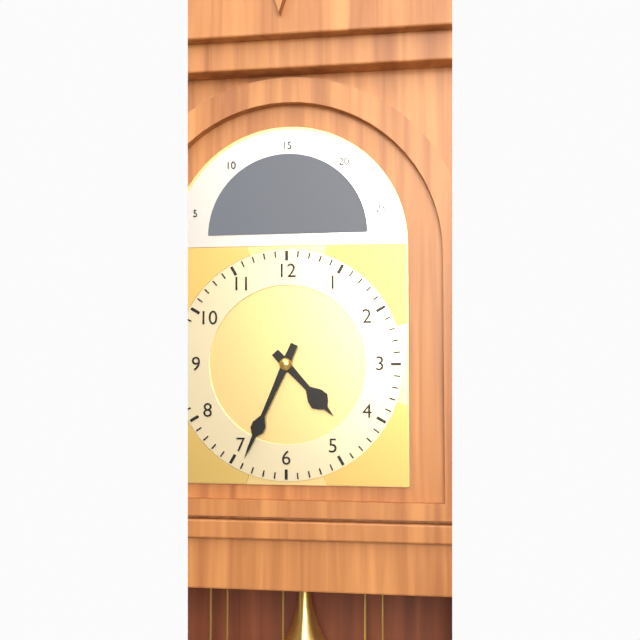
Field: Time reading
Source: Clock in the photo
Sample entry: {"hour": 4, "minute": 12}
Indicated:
{"hour": 4, "minute": 34}
